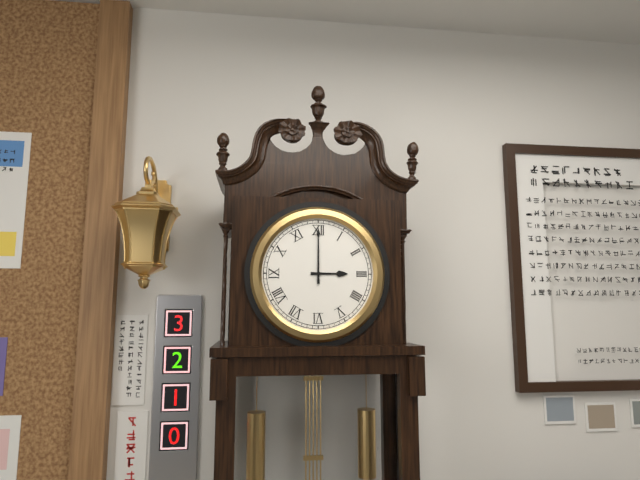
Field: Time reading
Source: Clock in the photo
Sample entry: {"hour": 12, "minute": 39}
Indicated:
{"hour": 3, "minute": 0}
